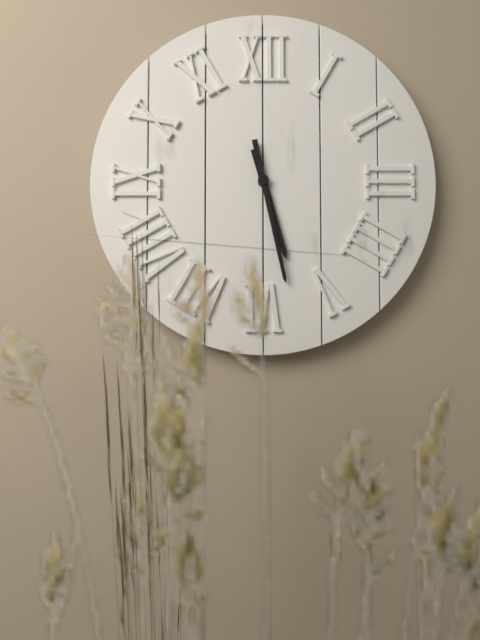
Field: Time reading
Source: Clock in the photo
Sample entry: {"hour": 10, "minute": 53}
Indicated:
{"hour": 5, "minute": 28}
